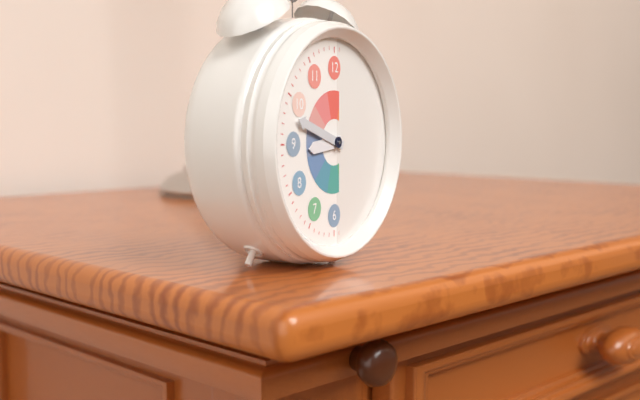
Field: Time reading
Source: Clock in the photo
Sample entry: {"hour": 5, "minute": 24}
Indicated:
{"hour": 8, "minute": 48}
